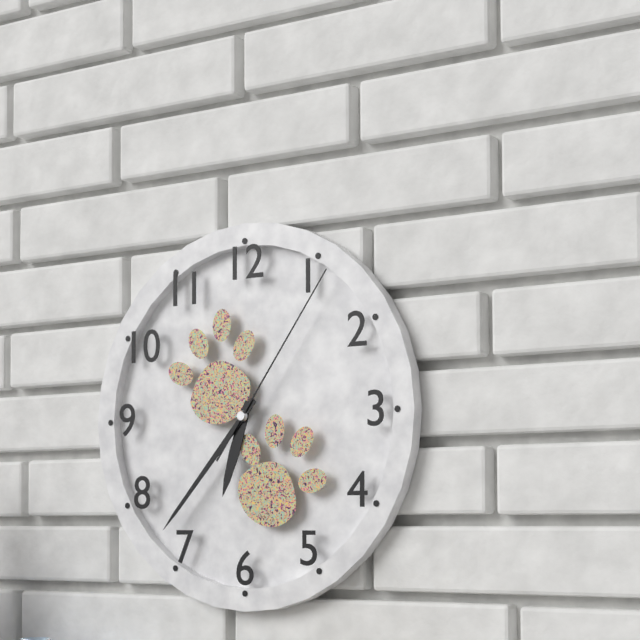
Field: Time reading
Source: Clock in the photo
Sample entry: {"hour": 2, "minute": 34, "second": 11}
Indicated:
{"hour": 6, "minute": 37, "second": 6}
